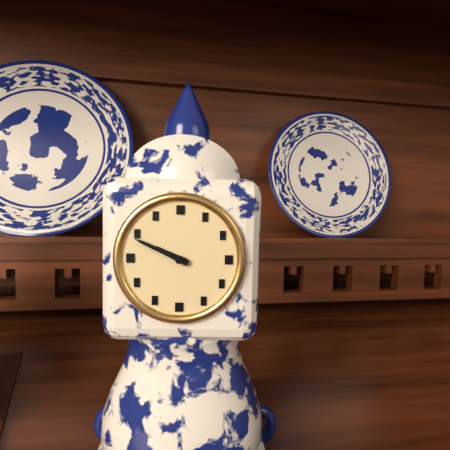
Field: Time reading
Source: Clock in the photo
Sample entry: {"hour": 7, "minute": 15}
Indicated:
{"hour": 9, "minute": 49}
